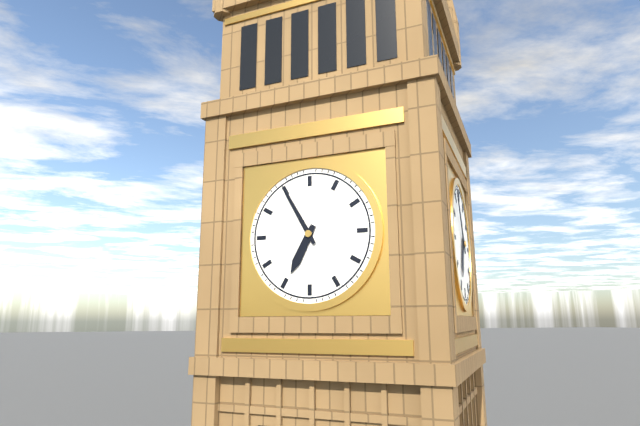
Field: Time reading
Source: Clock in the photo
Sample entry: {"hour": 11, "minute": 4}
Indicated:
{"hour": 6, "minute": 55}
